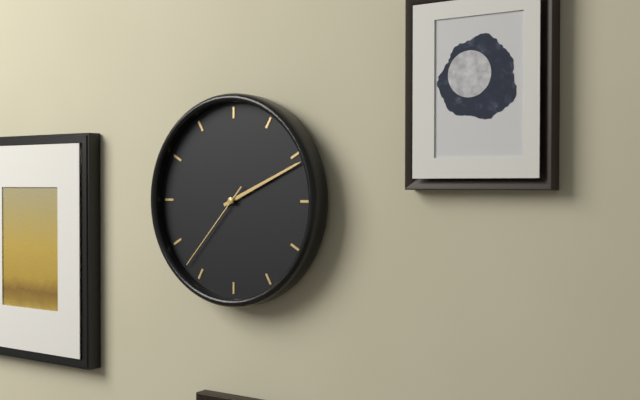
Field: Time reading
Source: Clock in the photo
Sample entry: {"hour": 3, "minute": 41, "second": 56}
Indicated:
{"hour": 2, "minute": 11, "second": 37}
